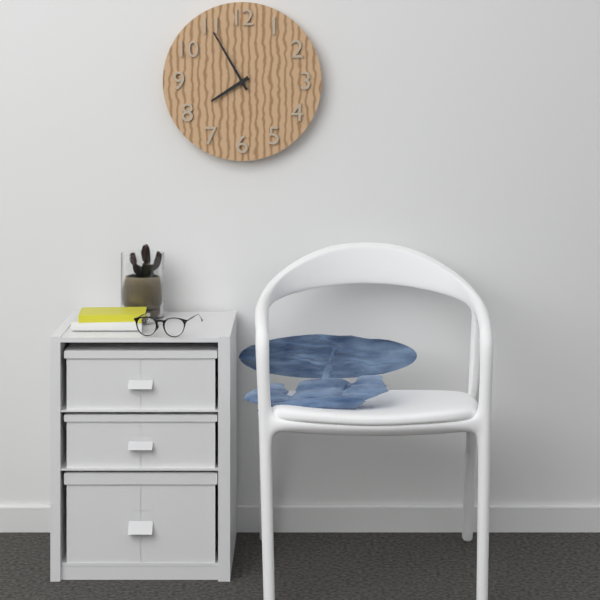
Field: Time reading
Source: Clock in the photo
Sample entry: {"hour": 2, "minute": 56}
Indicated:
{"hour": 7, "minute": 55}
